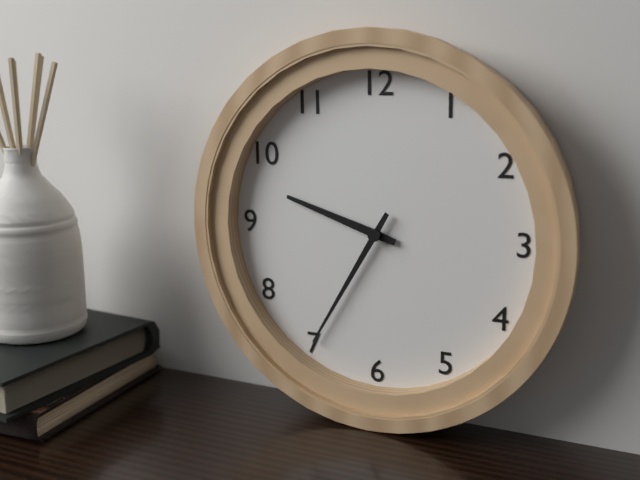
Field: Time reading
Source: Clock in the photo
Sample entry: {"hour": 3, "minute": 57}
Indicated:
{"hour": 9, "minute": 35}
